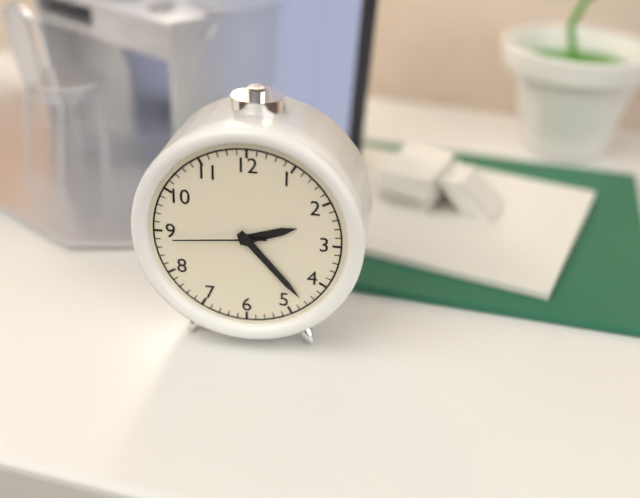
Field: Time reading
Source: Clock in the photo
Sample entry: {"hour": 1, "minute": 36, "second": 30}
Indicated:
{"hour": 2, "minute": 23, "second": 44}
